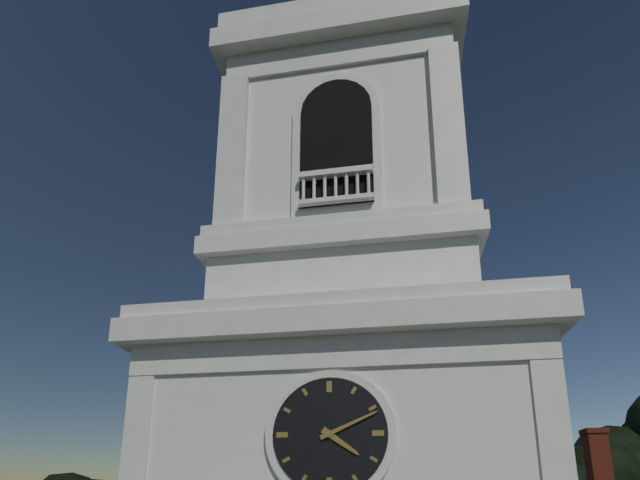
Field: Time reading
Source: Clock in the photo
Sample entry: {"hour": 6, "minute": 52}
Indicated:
{"hour": 4, "minute": 11}
